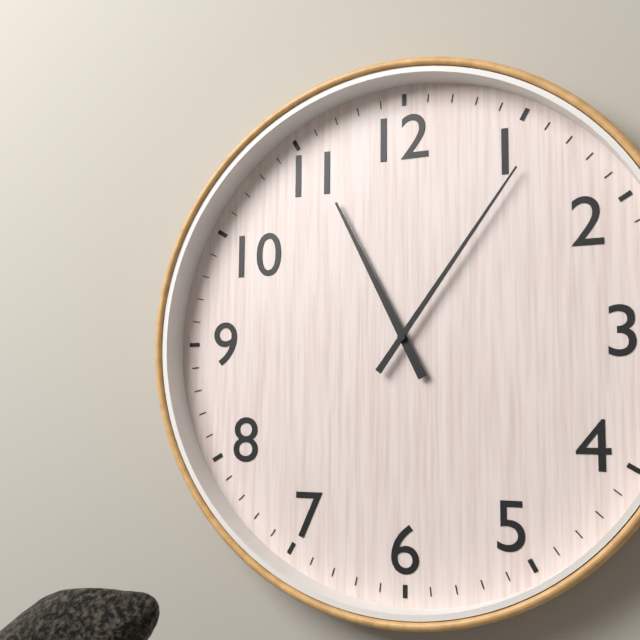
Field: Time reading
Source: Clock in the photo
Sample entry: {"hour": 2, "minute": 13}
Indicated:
{"hour": 11, "minute": 6}
